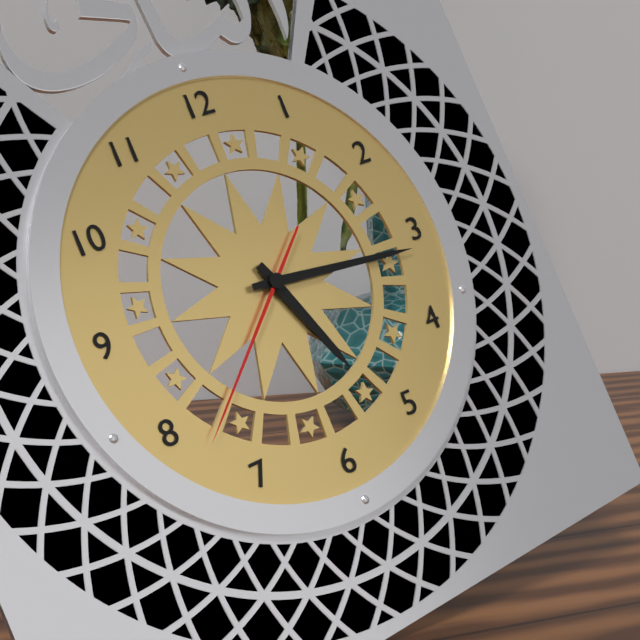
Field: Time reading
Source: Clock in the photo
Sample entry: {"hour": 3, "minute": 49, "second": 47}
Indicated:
{"hour": 5, "minute": 16, "second": 38}
